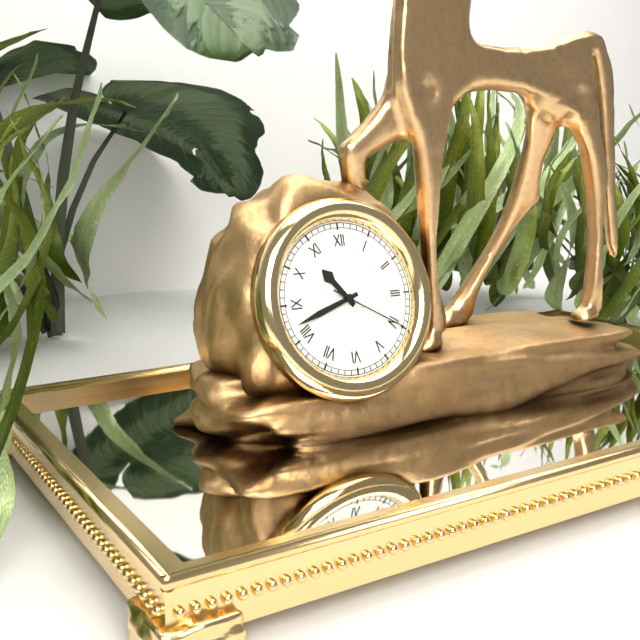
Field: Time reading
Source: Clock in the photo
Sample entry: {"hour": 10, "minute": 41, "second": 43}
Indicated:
{"hour": 10, "minute": 42, "second": 20}
